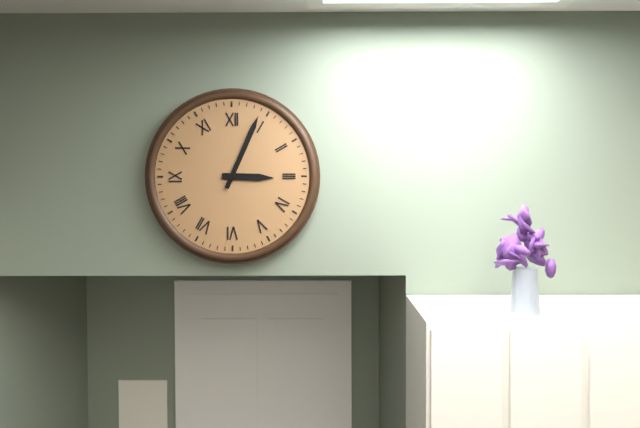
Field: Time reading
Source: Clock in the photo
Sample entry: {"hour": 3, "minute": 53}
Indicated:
{"hour": 3, "minute": 4}
